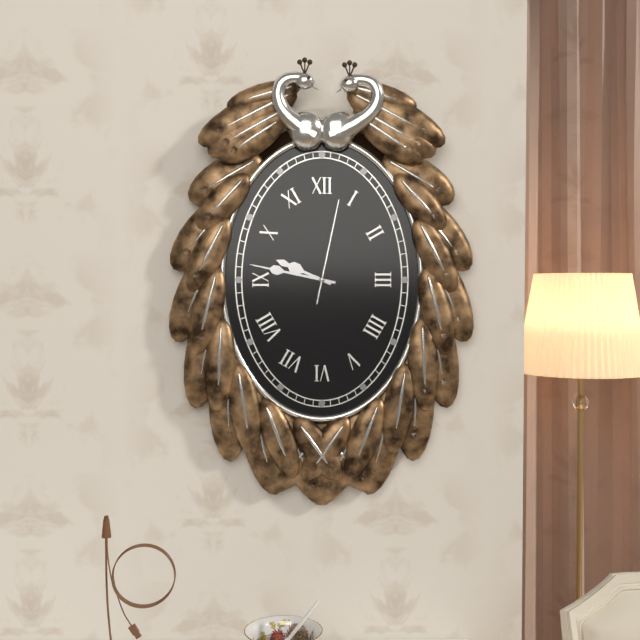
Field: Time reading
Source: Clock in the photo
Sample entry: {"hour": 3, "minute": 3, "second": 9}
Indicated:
{"hour": 9, "minute": 47, "second": 2}
